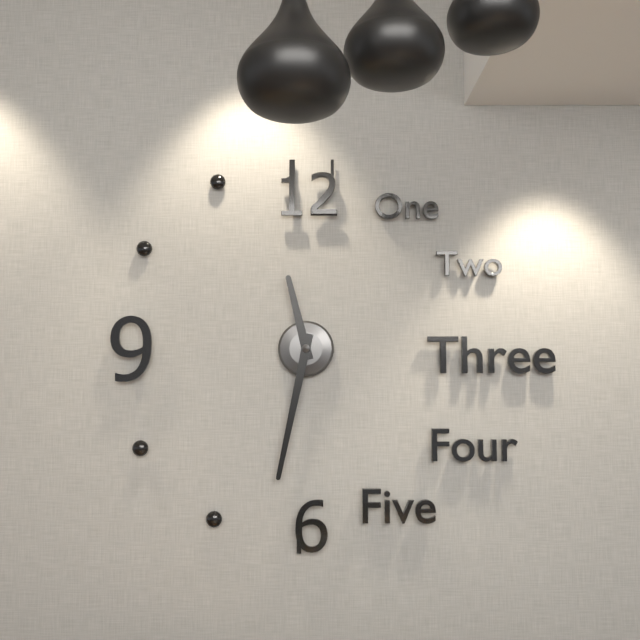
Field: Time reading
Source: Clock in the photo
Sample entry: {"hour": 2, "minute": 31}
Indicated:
{"hour": 11, "minute": 32}
